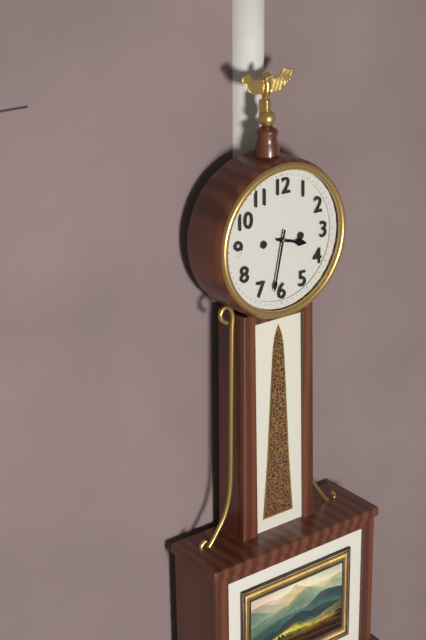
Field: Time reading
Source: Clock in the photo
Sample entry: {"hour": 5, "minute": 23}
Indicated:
{"hour": 3, "minute": 32}
